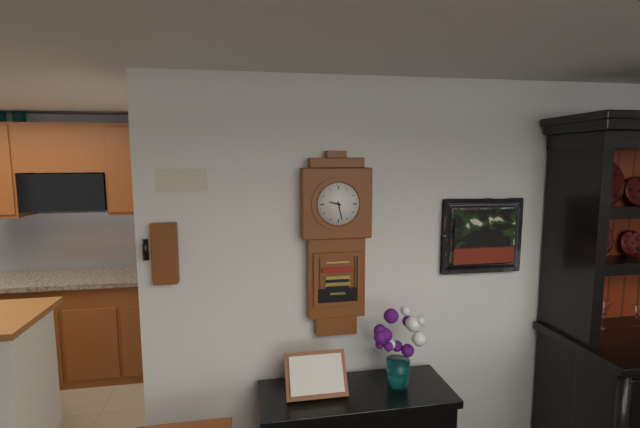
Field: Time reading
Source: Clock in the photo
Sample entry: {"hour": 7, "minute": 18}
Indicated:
{"hour": 9, "minute": 28}
